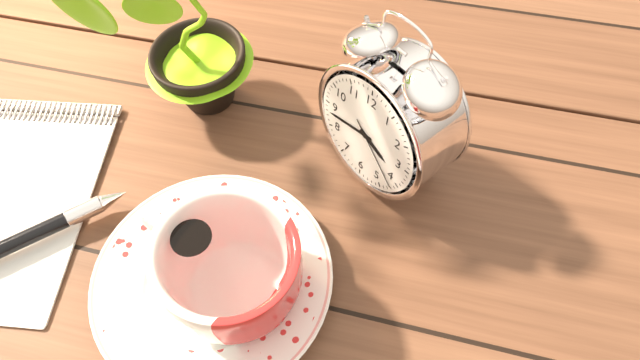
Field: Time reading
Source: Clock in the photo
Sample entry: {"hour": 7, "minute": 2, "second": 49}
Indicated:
{"hour": 3, "minute": 43, "second": 22}
